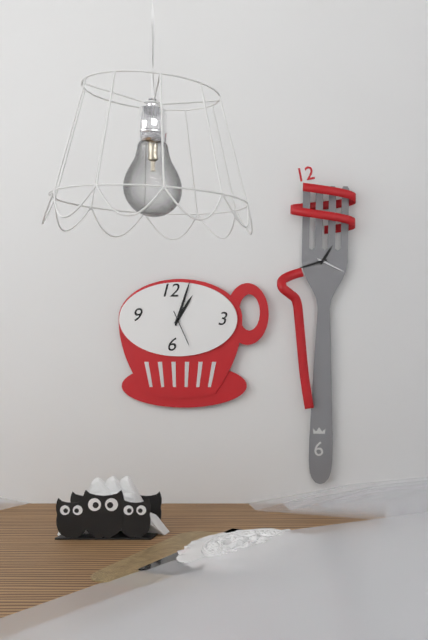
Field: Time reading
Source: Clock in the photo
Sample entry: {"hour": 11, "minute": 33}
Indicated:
{"hour": 1, "minute": 3}
